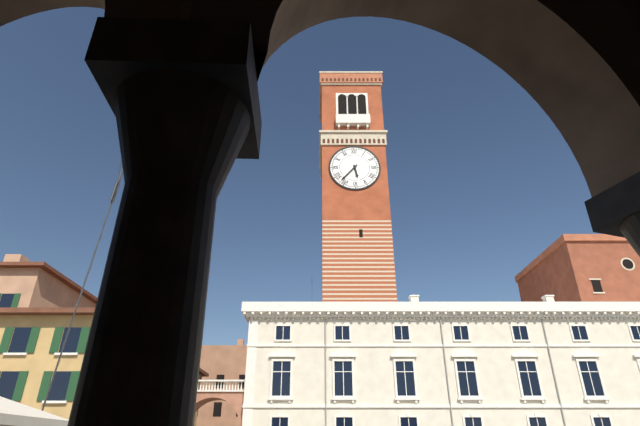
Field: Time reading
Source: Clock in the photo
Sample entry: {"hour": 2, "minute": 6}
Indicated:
{"hour": 5, "minute": 37}
